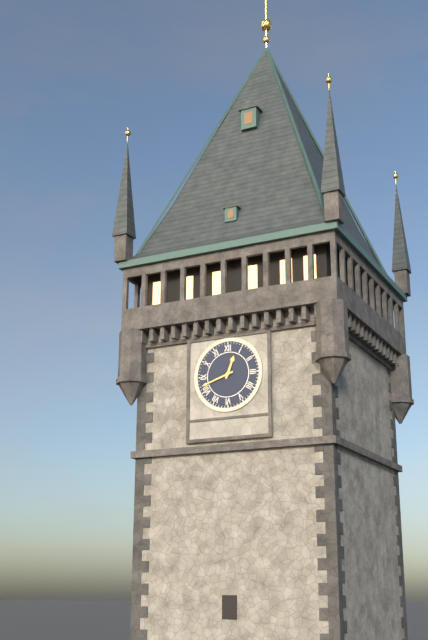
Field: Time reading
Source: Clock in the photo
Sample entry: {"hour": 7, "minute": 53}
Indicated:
{"hour": 12, "minute": 42}
